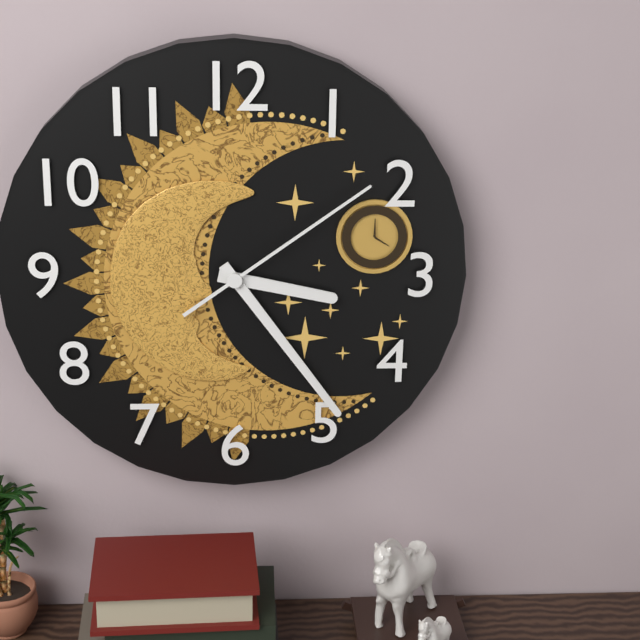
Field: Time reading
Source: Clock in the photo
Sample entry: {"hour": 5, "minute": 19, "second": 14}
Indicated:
{"hour": 3, "minute": 24, "second": 9}
